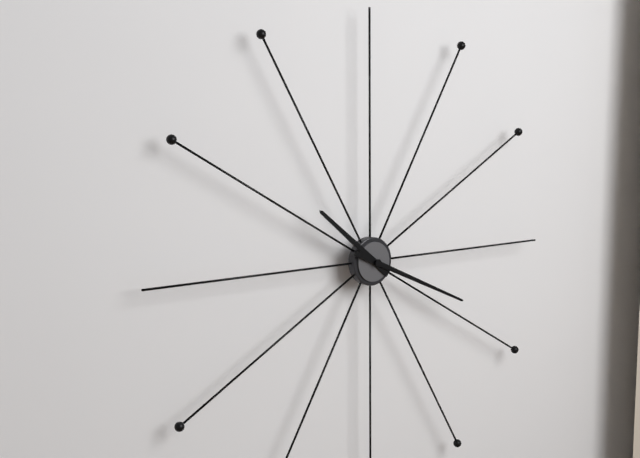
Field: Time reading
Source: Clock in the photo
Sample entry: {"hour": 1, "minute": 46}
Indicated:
{"hour": 10, "minute": 19}
